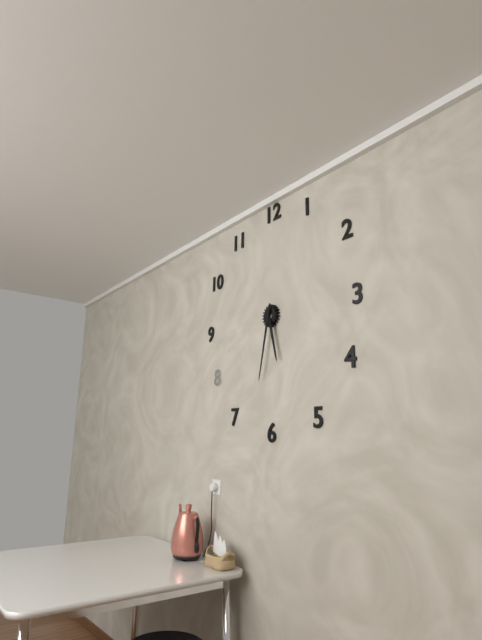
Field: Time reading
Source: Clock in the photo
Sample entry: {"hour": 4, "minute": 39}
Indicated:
{"hour": 5, "minute": 32}
